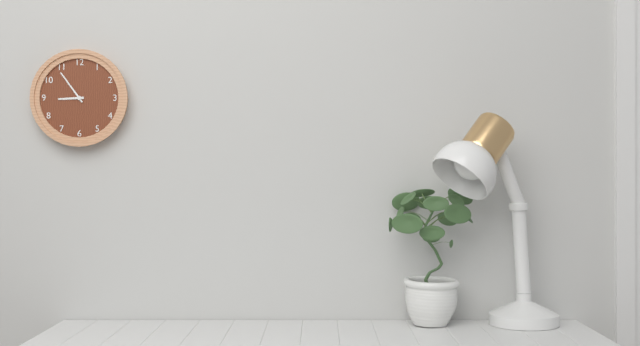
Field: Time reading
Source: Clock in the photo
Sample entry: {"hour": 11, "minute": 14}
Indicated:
{"hour": 8, "minute": 54}
